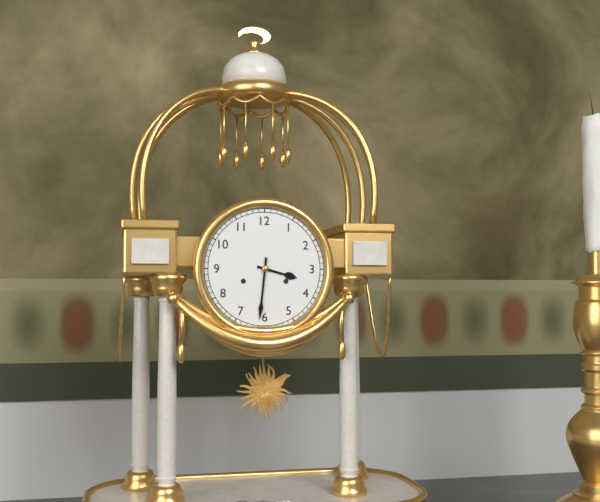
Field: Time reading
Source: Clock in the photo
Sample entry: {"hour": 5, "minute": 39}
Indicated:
{"hour": 3, "minute": 31}
